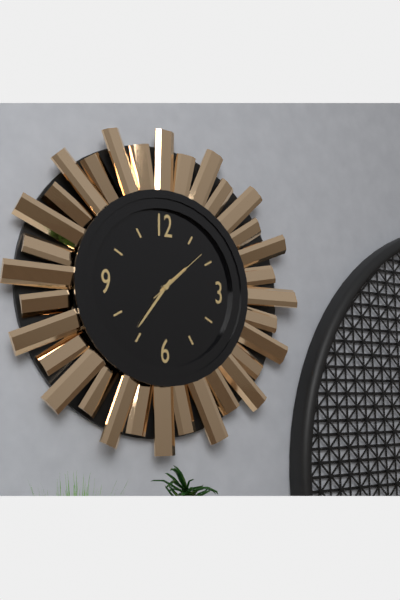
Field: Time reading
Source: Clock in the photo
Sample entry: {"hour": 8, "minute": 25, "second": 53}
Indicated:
{"hour": 1, "minute": 36, "second": 8}
